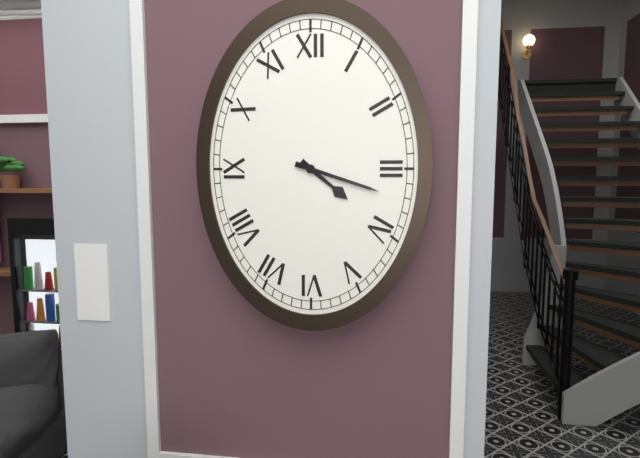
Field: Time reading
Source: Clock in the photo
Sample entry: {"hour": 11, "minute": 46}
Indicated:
{"hour": 4, "minute": 18}
